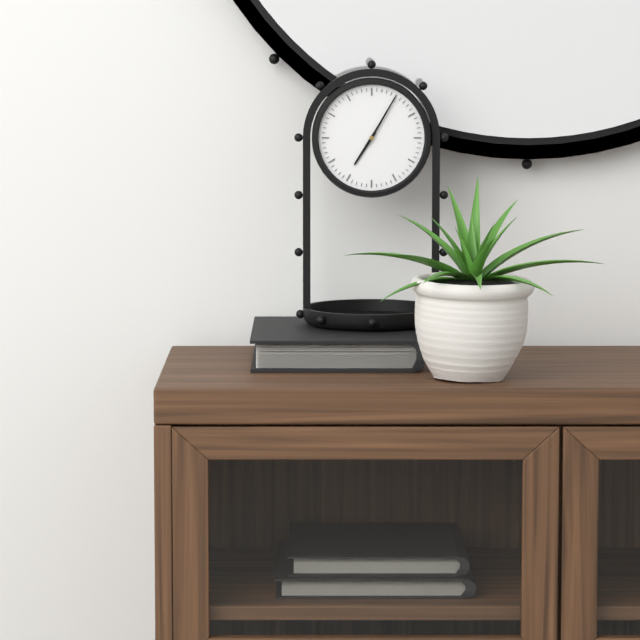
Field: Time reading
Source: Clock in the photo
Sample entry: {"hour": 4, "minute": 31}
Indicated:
{"hour": 7, "minute": 5}
